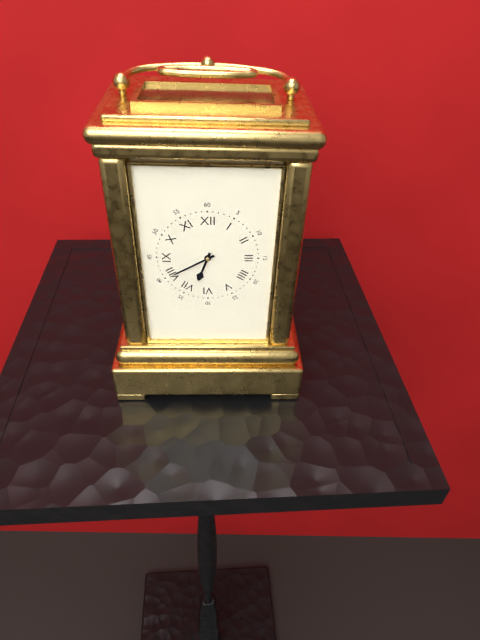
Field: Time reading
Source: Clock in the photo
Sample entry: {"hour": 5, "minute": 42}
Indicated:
{"hour": 6, "minute": 40}
